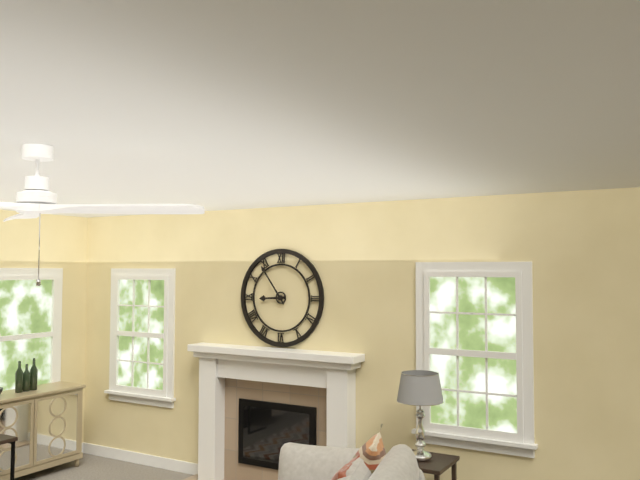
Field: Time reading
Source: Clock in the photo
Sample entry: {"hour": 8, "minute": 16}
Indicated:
{"hour": 8, "minute": 54}
